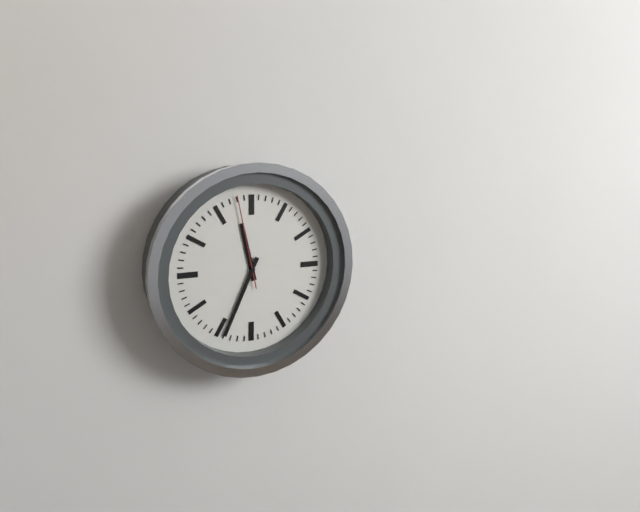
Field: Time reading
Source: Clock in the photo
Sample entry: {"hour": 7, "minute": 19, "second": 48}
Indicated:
{"hour": 11, "minute": 34, "second": 58}
